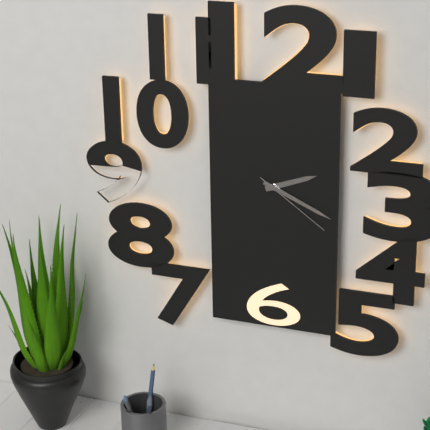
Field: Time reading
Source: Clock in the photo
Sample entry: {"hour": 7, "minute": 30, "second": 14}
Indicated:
{"hour": 2, "minute": 19, "second": 21}
